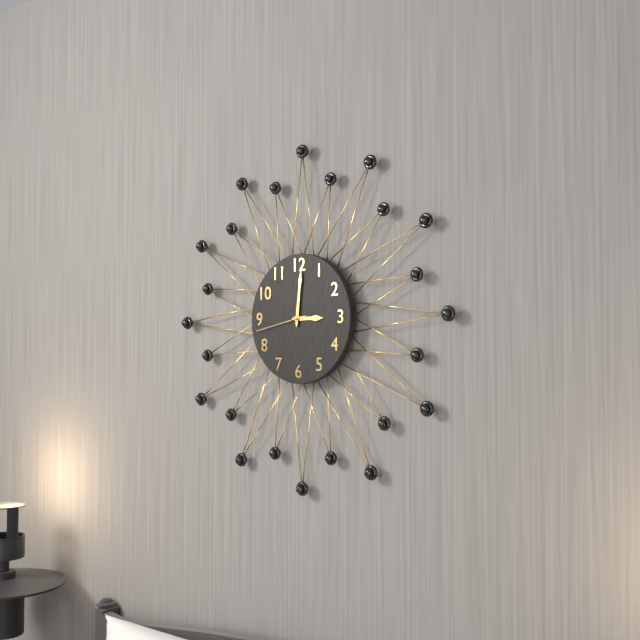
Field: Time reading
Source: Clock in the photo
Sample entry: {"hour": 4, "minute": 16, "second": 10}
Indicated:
{"hour": 3, "minute": 1, "second": 43}
